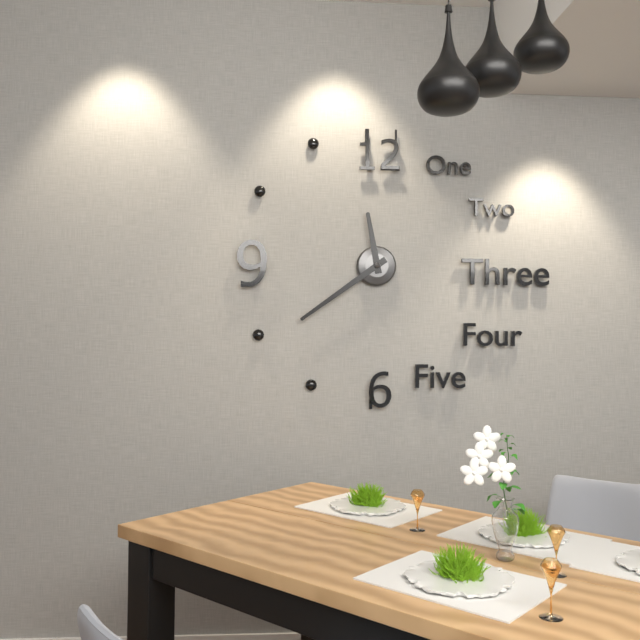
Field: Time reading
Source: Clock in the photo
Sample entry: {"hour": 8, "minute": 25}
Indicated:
{"hour": 11, "minute": 39}
